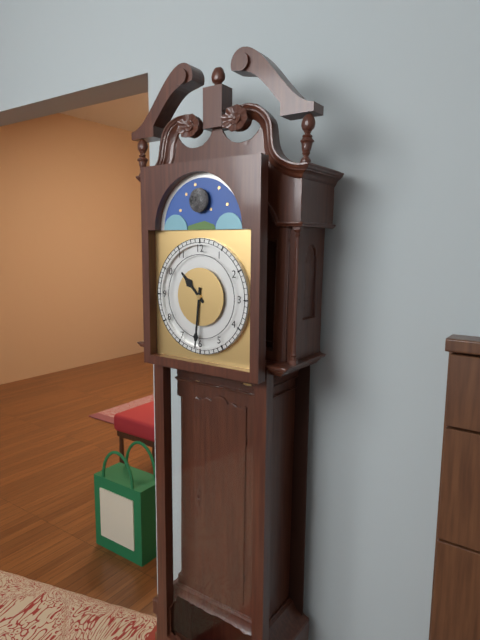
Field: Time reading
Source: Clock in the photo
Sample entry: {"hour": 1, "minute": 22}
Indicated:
{"hour": 10, "minute": 31}
